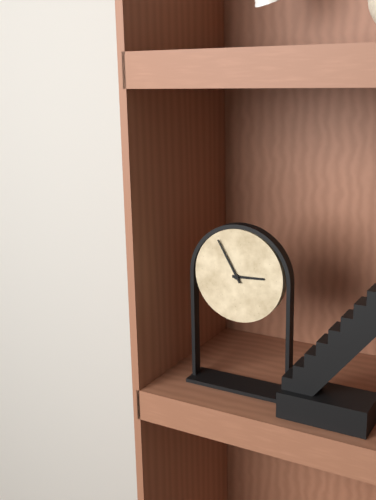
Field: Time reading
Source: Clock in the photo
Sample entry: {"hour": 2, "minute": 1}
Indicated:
{"hour": 2, "minute": 55}
